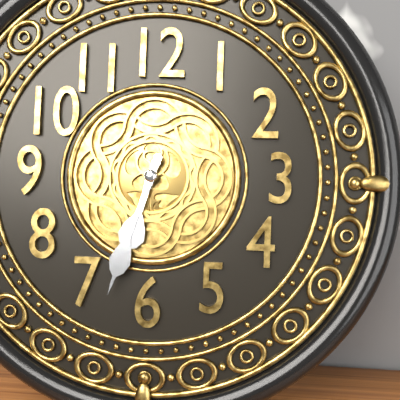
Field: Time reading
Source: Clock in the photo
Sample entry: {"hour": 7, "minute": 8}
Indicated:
{"hour": 6, "minute": 33}
